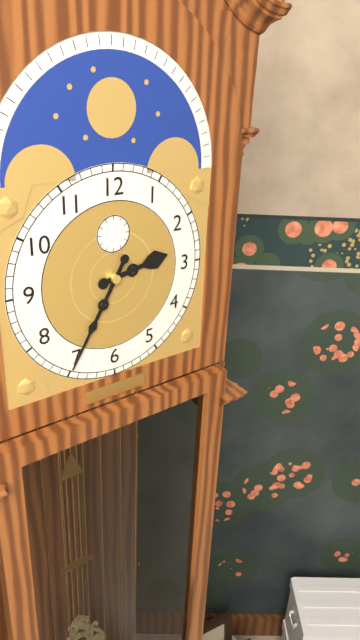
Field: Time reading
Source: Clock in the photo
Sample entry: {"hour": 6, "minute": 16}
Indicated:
{"hour": 2, "minute": 35}
